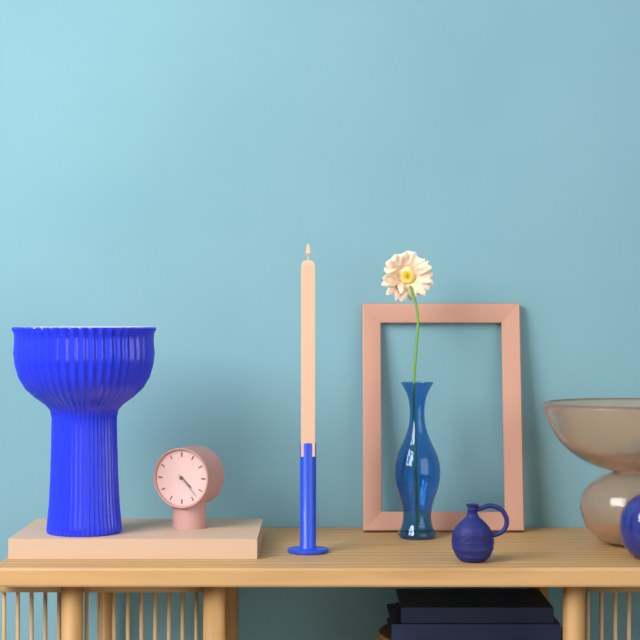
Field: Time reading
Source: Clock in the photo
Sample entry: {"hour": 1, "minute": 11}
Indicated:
{"hour": 4, "minute": 23}
